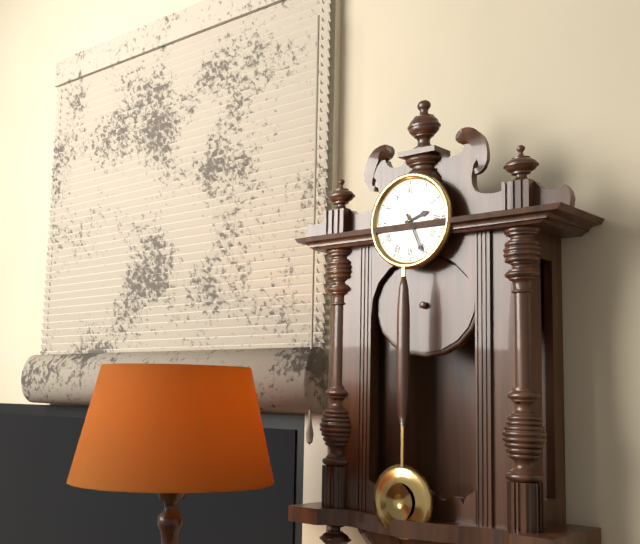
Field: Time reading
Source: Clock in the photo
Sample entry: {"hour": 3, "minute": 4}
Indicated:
{"hour": 2, "minute": 26}
